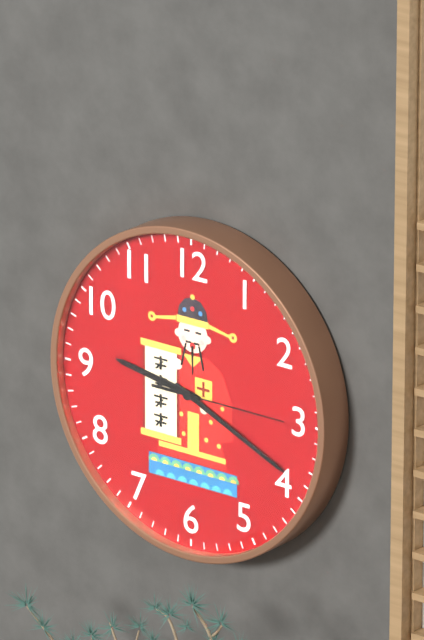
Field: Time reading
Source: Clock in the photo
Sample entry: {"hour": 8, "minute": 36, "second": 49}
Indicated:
{"hour": 9, "minute": 19, "second": 15}
